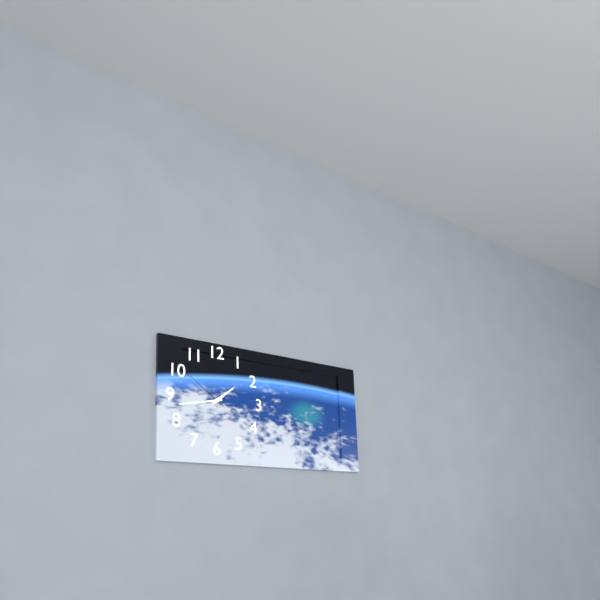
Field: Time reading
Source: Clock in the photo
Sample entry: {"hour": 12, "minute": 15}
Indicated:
{"hour": 1, "minute": 43}
